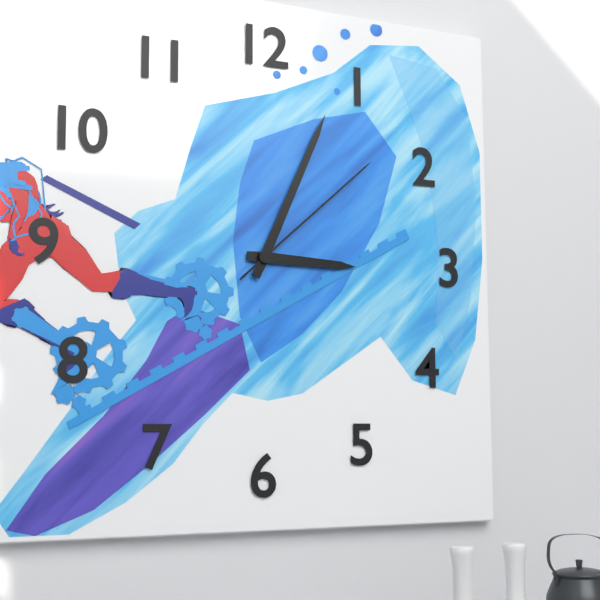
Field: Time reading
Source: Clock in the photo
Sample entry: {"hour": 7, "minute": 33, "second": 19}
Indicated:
{"hour": 3, "minute": 4, "second": 8}
